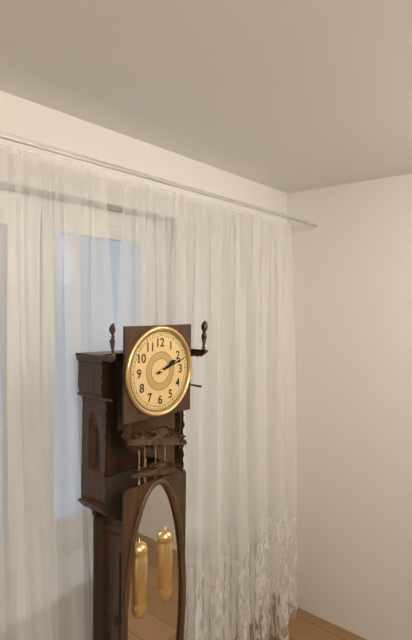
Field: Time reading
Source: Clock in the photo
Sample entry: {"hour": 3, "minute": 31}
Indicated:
{"hour": 2, "minute": 12}
